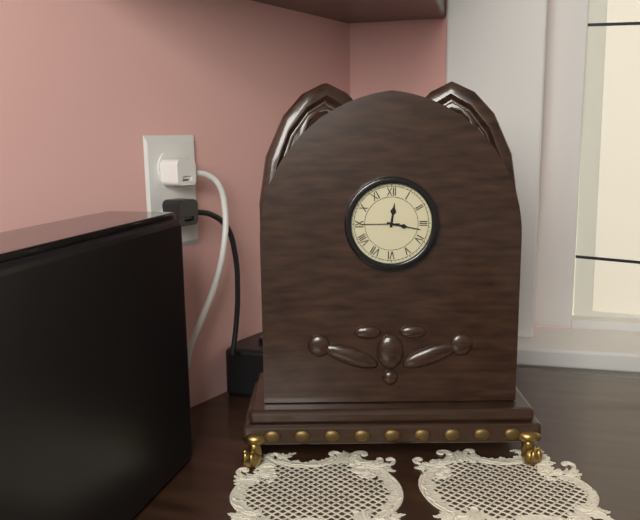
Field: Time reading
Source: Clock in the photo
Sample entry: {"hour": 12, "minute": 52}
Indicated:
{"hour": 12, "minute": 17}
